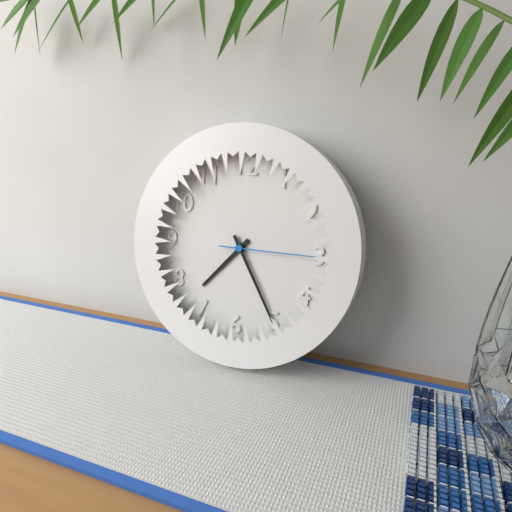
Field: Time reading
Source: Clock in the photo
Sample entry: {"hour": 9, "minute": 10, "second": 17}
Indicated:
{"hour": 7, "minute": 25, "second": 15}
